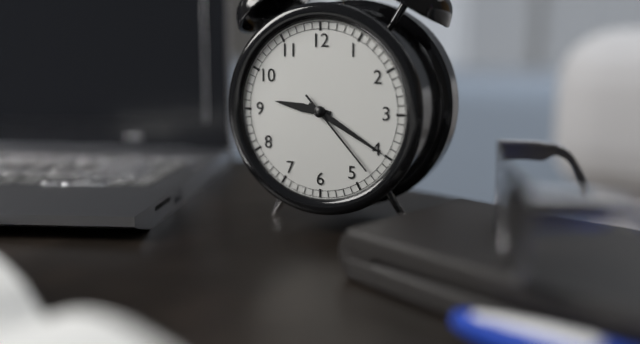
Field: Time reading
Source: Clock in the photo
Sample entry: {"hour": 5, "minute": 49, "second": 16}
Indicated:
{"hour": 9, "minute": 20, "second": 23}
